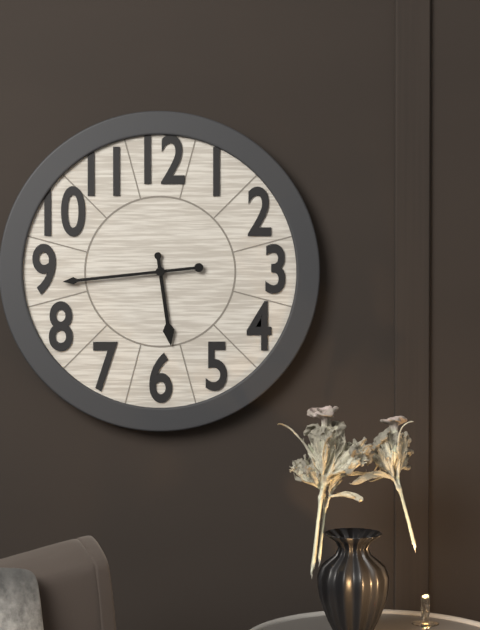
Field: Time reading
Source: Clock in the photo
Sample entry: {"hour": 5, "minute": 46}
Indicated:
{"hour": 5, "minute": 44}
